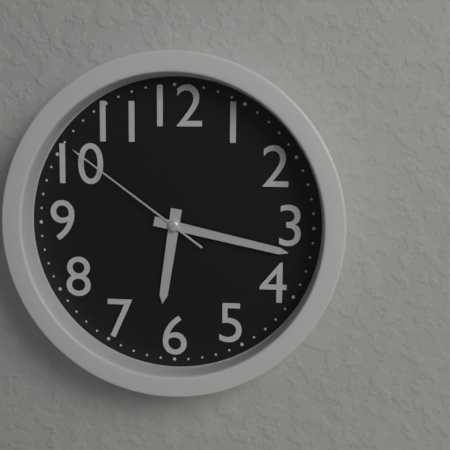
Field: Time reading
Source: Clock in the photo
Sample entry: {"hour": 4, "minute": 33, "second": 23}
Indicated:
{"hour": 6, "minute": 17, "second": 51}
